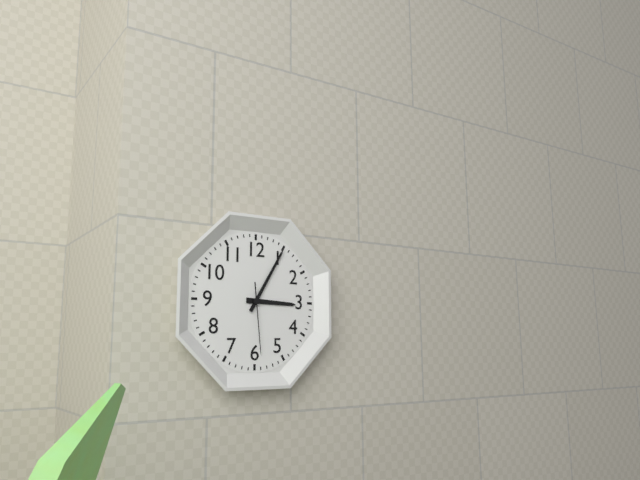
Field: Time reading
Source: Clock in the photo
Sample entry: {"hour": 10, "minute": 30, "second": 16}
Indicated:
{"hour": 3, "minute": 5, "second": 29}
